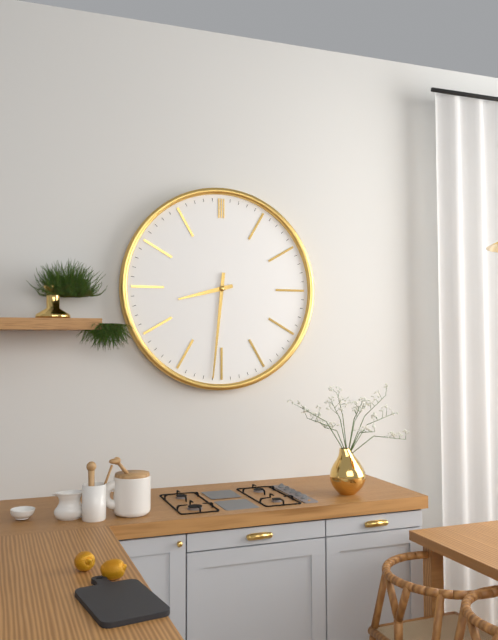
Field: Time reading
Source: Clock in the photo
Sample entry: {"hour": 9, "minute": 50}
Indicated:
{"hour": 8, "minute": 31}
